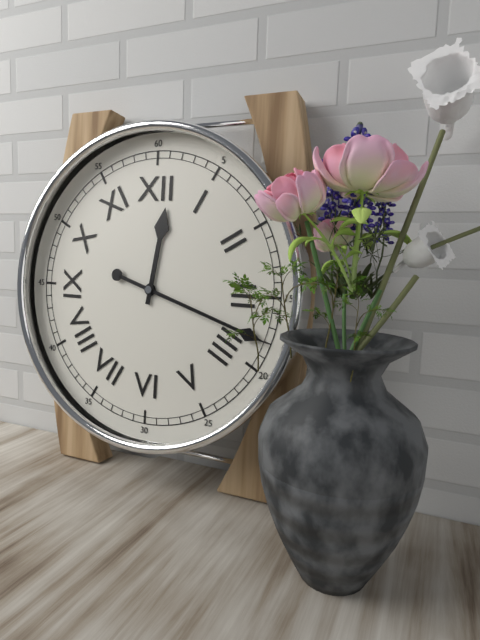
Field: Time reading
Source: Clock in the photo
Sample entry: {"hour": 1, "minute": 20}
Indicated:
{"hour": 12, "minute": 18}
